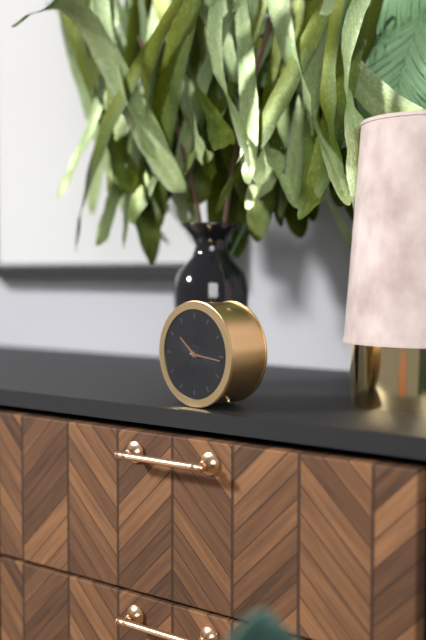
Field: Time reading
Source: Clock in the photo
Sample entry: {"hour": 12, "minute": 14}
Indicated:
{"hour": 10, "minute": 16}
